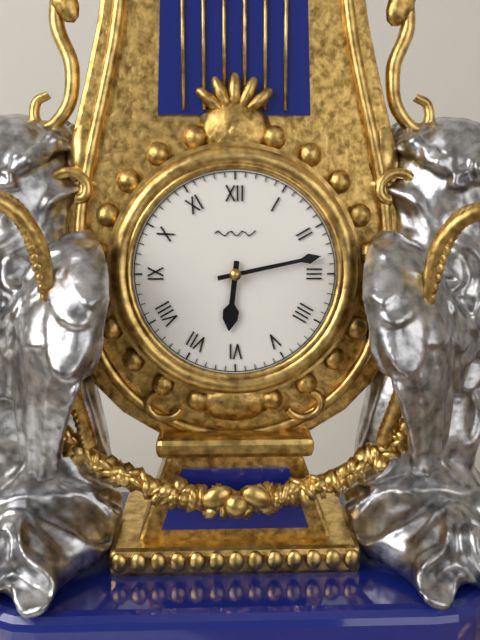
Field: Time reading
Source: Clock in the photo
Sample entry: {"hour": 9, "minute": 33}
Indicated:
{"hour": 6, "minute": 13}
